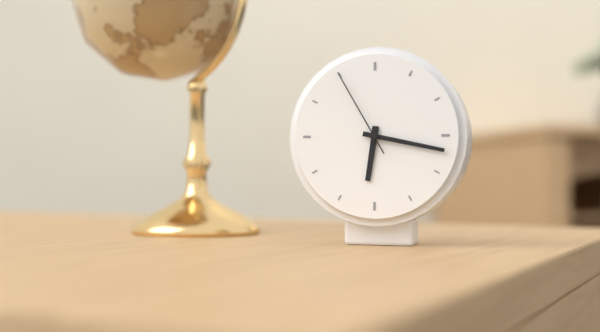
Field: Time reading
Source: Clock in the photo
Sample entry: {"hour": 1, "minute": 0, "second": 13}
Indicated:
{"hour": 6, "minute": 17, "second": 55}
